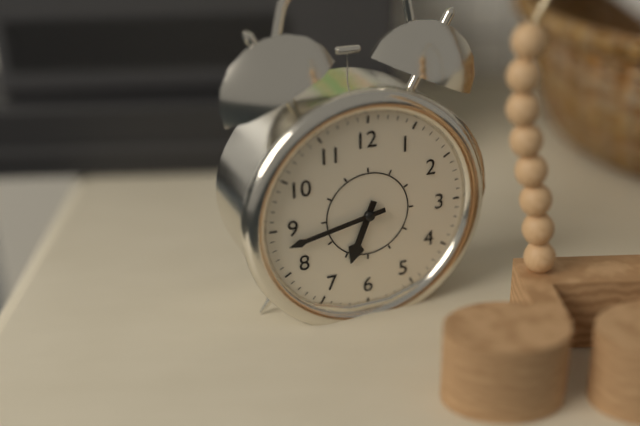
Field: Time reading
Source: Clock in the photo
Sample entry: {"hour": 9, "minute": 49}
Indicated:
{"hour": 6, "minute": 43}
